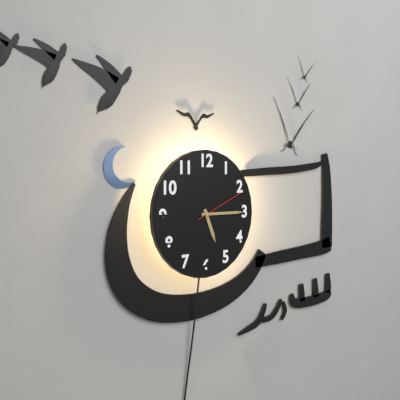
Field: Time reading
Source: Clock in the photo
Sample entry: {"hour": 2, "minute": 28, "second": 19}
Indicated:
{"hour": 5, "minute": 15, "second": 11}
